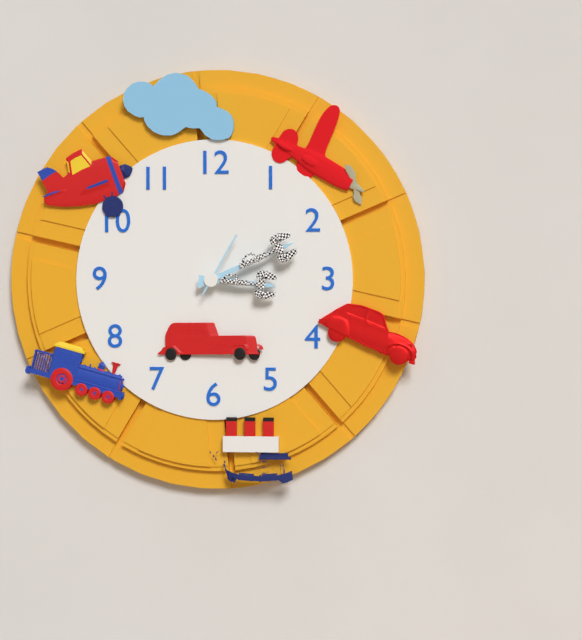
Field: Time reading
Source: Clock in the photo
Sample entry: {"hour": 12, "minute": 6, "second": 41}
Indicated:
{"hour": 3, "minute": 11, "second": 5}
